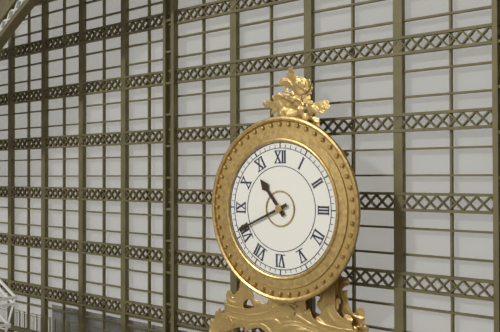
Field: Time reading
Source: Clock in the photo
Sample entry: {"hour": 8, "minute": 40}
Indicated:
{"hour": 10, "minute": 41}
